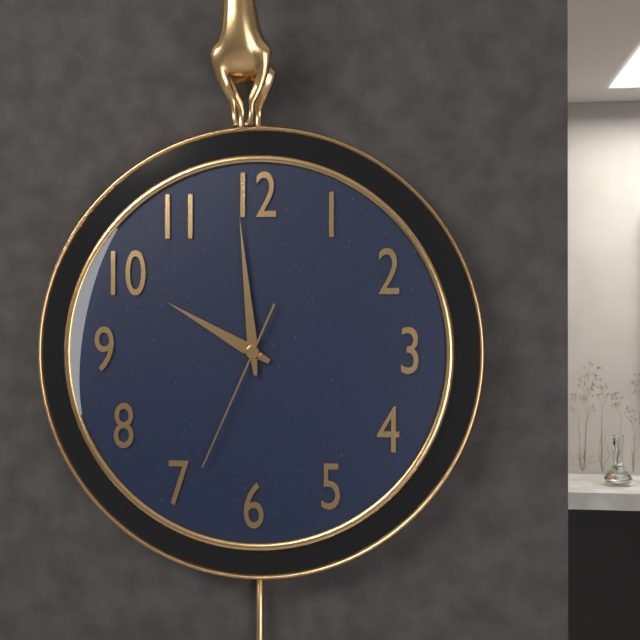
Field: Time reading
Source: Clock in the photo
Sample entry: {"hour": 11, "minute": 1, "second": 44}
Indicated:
{"hour": 9, "minute": 59, "second": 34}
